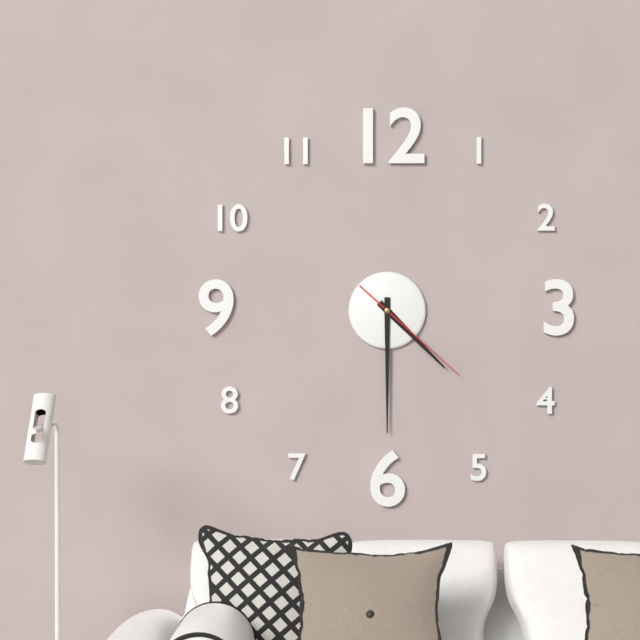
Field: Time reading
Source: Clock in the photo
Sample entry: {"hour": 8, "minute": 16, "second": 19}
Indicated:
{"hour": 4, "minute": 30, "second": 22}
